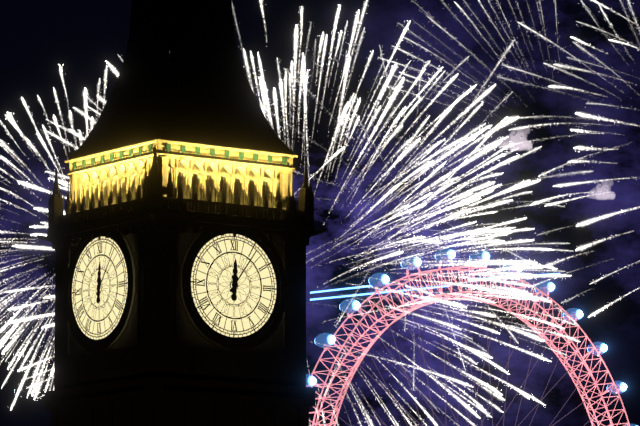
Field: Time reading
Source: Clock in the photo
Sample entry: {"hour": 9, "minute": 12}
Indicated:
{"hour": 12, "minute": 6}
